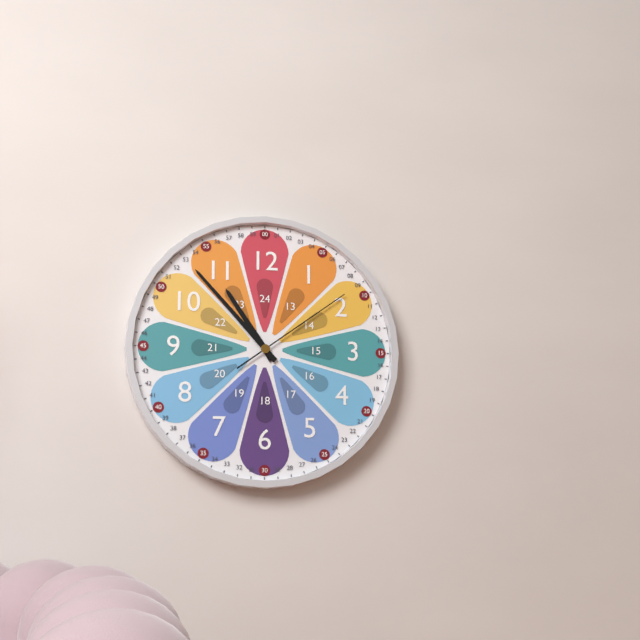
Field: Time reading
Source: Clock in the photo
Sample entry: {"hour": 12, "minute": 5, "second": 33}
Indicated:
{"hour": 10, "minute": 53, "second": 9}
